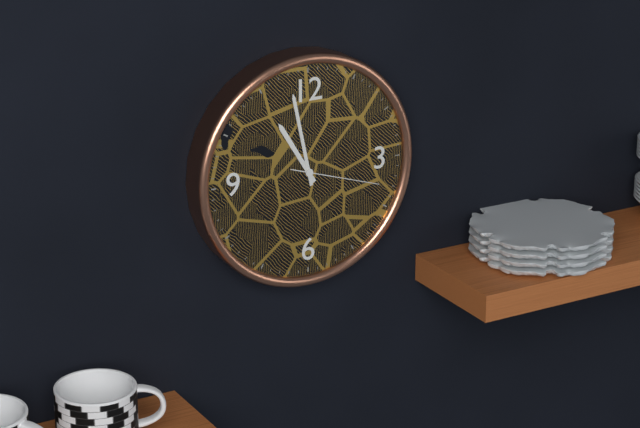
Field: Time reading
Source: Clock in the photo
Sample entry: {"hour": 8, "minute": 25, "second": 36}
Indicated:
{"hour": 10, "minute": 58, "second": 18}
